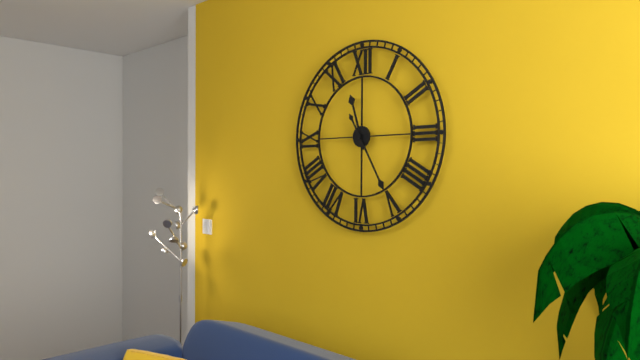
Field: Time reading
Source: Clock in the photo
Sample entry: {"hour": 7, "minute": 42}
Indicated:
{"hour": 11, "minute": 25}
